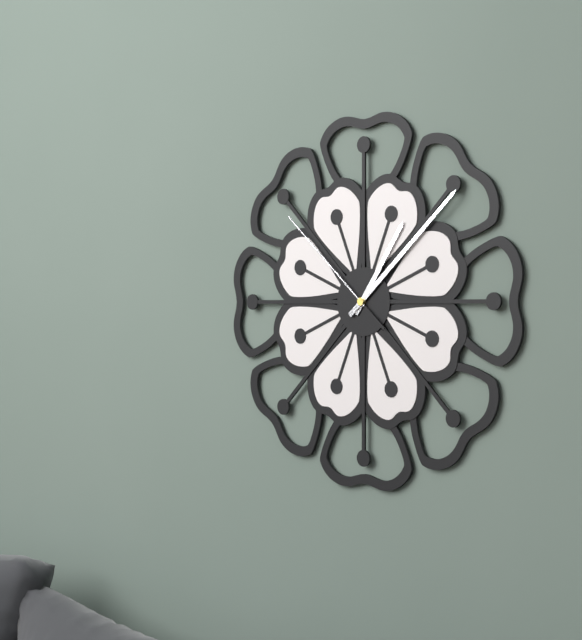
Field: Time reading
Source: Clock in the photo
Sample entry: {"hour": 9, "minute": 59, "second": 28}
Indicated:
{"hour": 1, "minute": 8, "second": 52}
